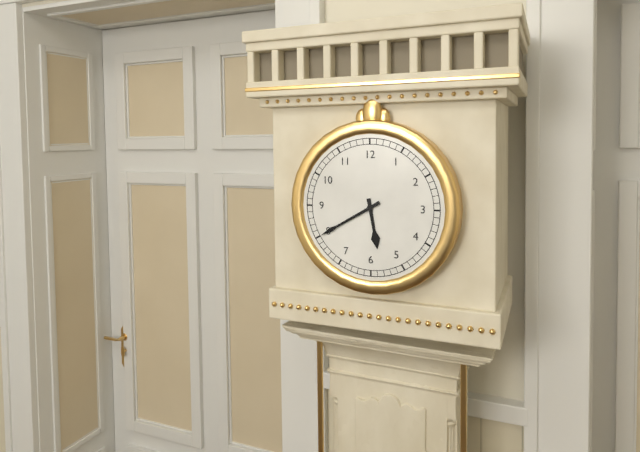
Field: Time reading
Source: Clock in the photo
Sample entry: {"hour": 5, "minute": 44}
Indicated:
{"hour": 5, "minute": 40}
